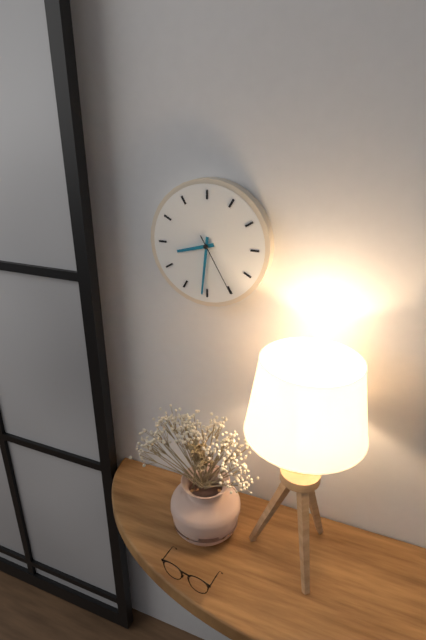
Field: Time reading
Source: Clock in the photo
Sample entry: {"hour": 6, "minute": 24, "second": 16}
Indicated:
{"hour": 8, "minute": 31, "second": 25}
